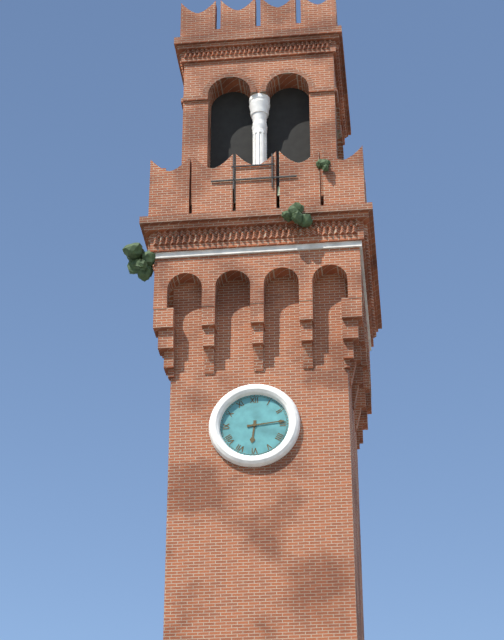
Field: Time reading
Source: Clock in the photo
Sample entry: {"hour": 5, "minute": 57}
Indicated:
{"hour": 6, "minute": 14}
